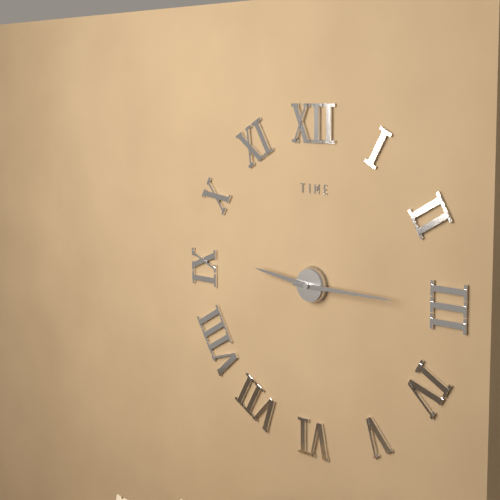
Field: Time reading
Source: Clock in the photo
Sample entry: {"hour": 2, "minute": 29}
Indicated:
{"hour": 9, "minute": 15}
